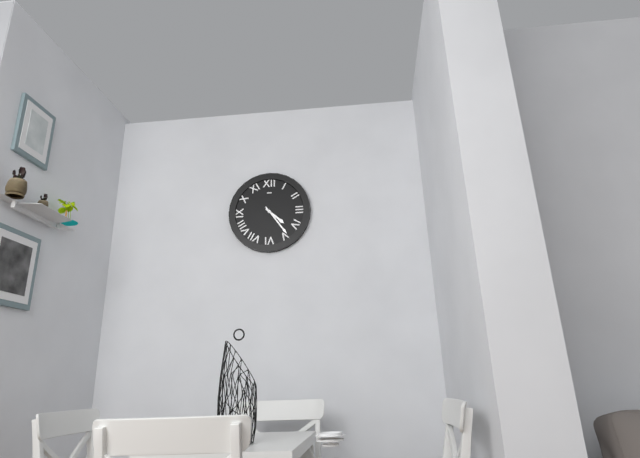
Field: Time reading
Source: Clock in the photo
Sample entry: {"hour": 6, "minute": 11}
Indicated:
{"hour": 4, "minute": 24}
